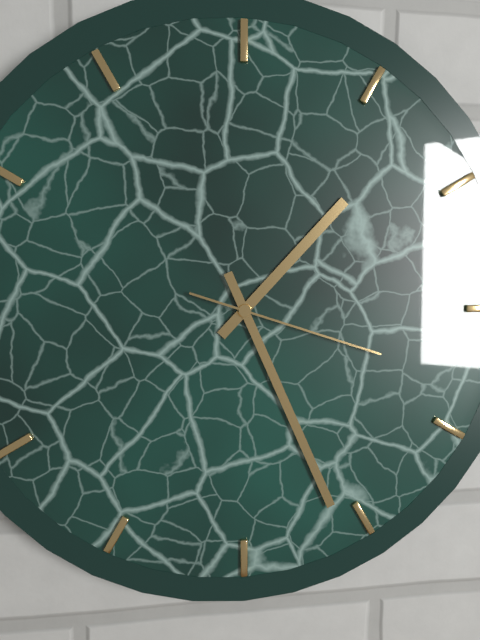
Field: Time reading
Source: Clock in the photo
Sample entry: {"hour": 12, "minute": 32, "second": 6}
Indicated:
{"hour": 1, "minute": 26, "second": 18}
